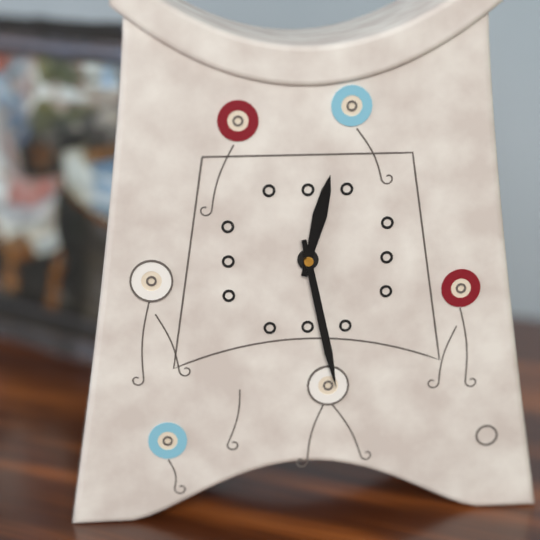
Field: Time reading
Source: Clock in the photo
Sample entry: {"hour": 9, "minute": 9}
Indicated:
{"hour": 12, "minute": 28}
